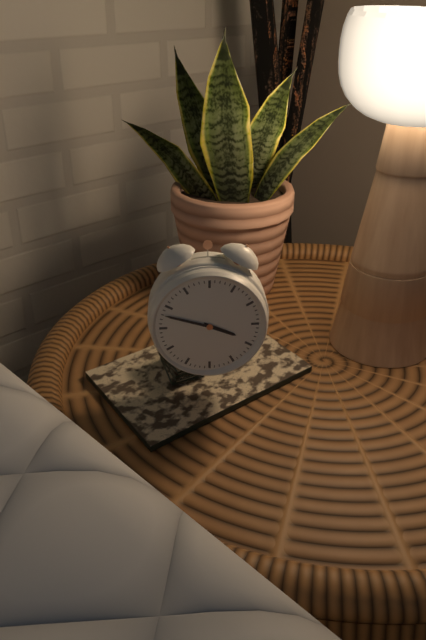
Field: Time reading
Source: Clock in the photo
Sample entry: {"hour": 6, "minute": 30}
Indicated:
{"hour": 3, "minute": 48}
